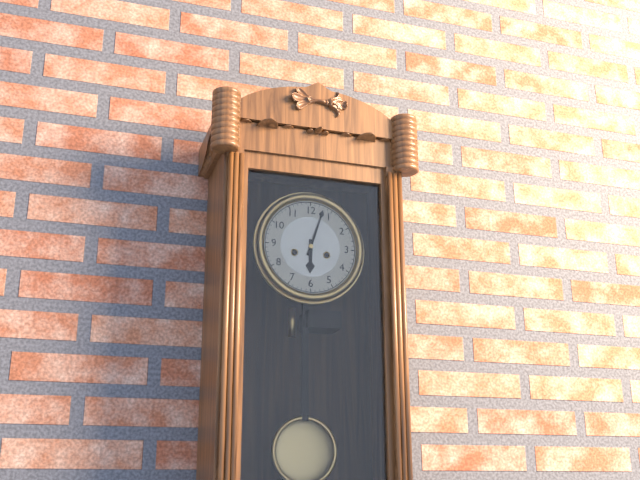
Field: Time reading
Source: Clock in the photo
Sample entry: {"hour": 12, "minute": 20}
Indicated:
{"hour": 6, "minute": 3}
